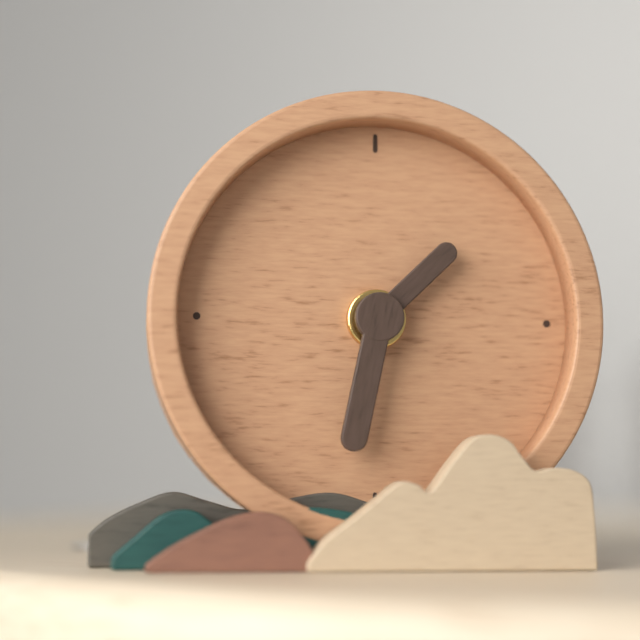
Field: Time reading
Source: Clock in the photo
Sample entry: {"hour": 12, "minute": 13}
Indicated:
{"hour": 1, "minute": 32}
